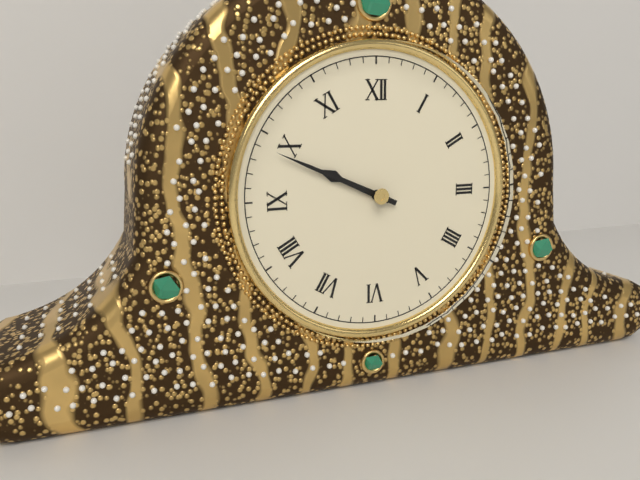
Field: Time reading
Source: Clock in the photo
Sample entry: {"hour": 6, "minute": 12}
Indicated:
{"hour": 9, "minute": 49}
